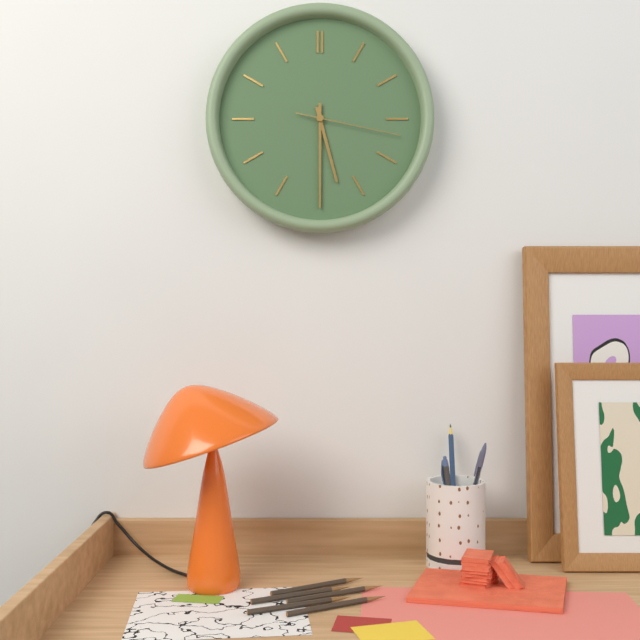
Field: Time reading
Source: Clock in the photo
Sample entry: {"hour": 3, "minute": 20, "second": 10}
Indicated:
{"hour": 5, "minute": 30, "second": 17}
